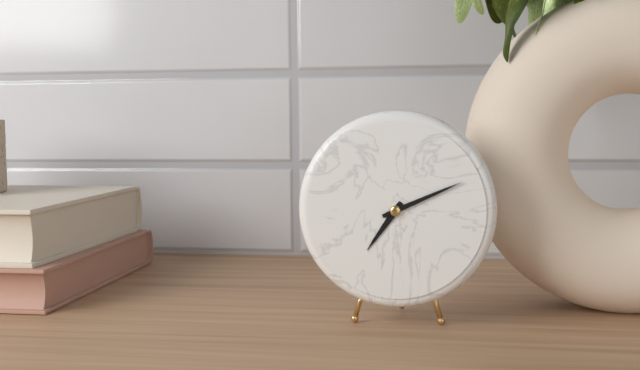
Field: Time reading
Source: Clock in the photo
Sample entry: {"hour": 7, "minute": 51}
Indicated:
{"hour": 7, "minute": 11}
